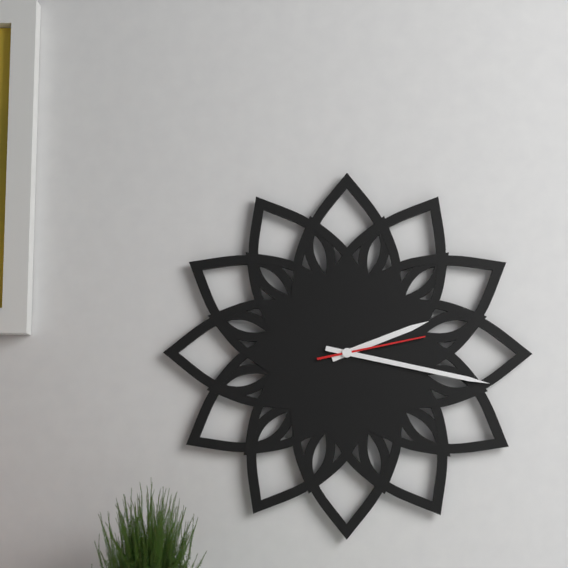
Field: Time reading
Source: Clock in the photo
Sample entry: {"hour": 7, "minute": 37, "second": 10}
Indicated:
{"hour": 2, "minute": 17, "second": 13}
